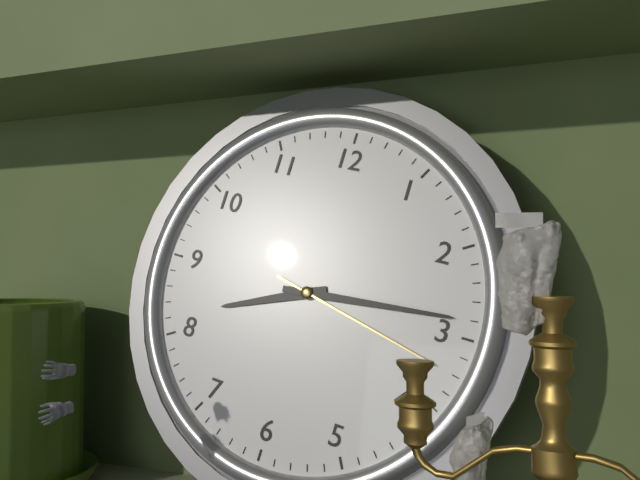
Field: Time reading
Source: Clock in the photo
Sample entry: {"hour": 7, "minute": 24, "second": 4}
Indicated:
{"hour": 8, "minute": 14, "second": 17}
